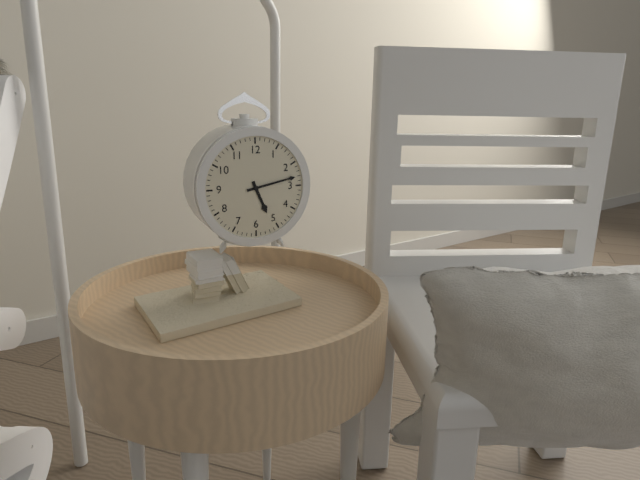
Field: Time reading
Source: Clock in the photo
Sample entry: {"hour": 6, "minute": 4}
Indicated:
{"hour": 5, "minute": 13}
